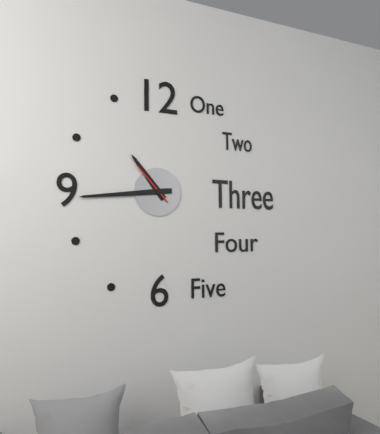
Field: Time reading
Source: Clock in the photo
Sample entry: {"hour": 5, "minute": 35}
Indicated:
{"hour": 10, "minute": 44}
